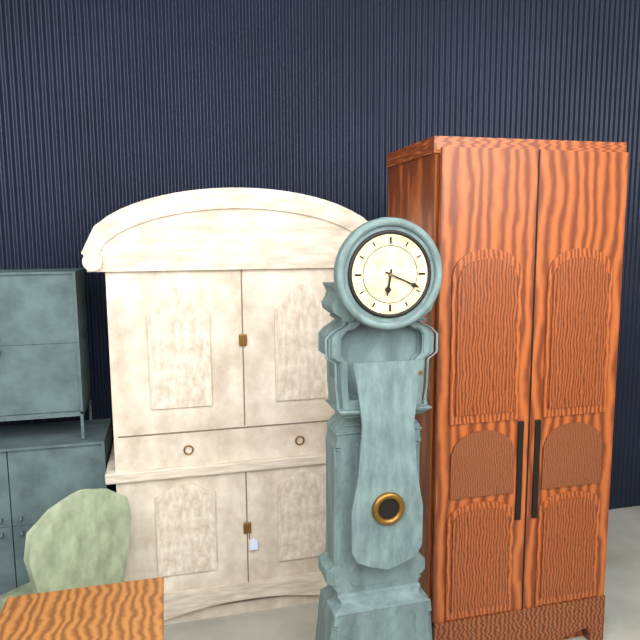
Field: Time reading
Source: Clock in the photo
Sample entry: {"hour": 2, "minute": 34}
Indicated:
{"hour": 6, "minute": 19}
